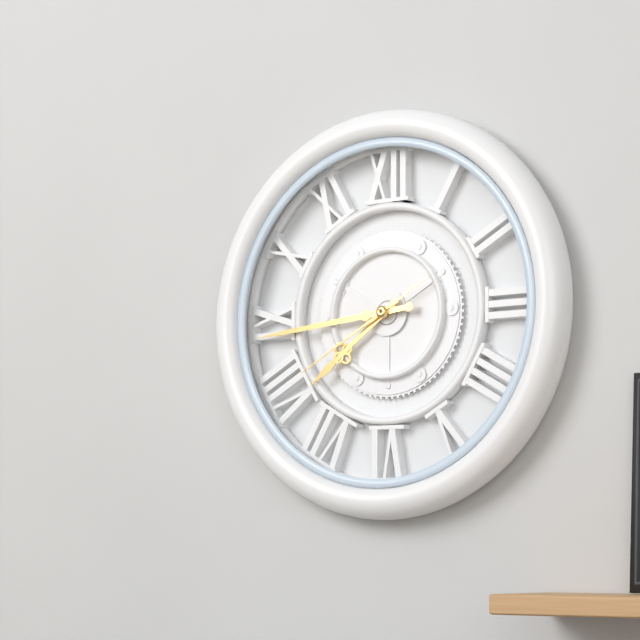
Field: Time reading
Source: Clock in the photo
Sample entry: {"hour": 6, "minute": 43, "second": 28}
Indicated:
{"hour": 7, "minute": 44, "second": 40}
